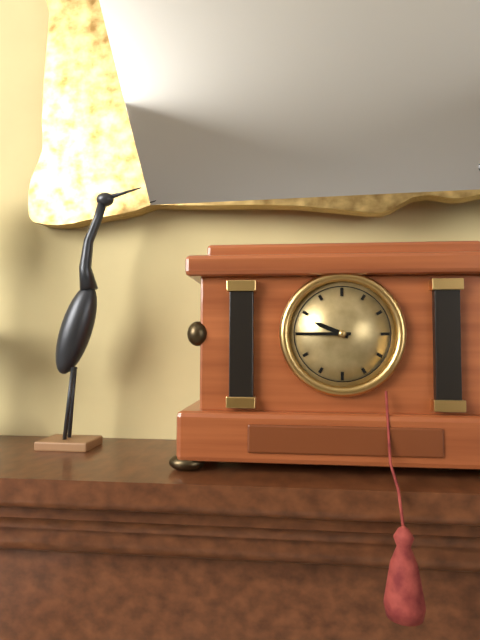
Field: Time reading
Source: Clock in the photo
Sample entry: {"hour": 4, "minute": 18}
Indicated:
{"hour": 9, "minute": 45}
